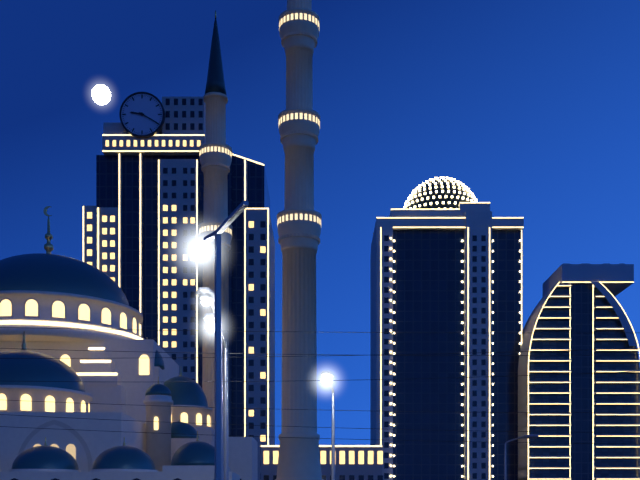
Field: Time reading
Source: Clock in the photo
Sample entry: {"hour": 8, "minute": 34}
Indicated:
{"hour": 9, "minute": 20}
